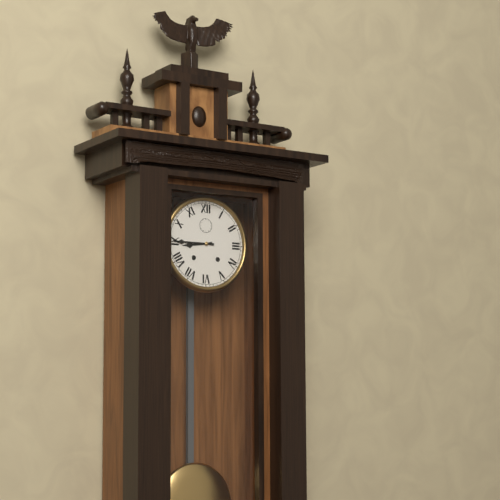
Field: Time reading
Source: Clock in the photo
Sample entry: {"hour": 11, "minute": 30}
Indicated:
{"hour": 8, "minute": 45}
